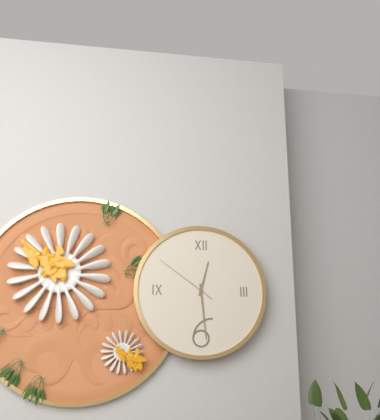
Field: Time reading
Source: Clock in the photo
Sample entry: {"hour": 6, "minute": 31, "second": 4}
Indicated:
{"hour": 12, "minute": 29, "second": 51}
